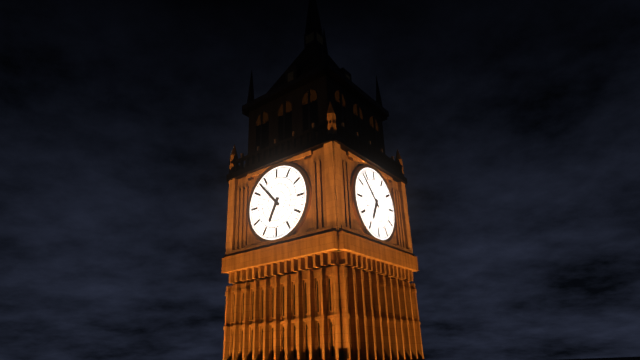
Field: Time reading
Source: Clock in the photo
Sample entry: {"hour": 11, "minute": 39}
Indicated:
{"hour": 6, "minute": 53}
